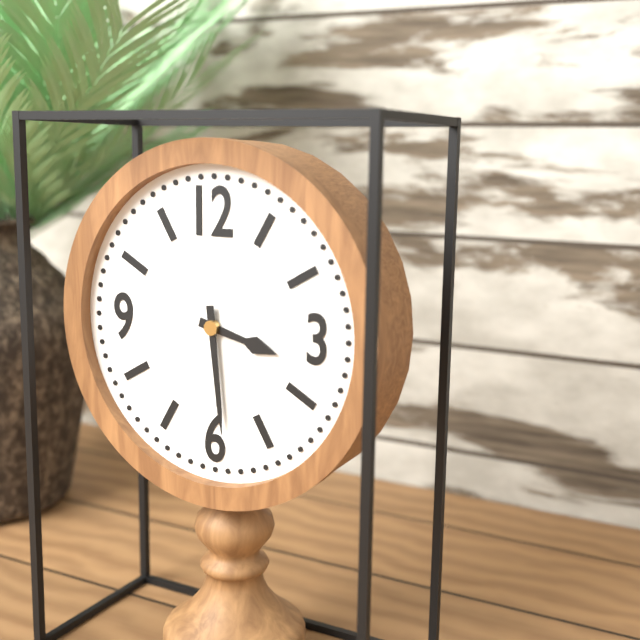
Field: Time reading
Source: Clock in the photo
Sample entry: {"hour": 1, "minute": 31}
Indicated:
{"hour": 3, "minute": 29}
